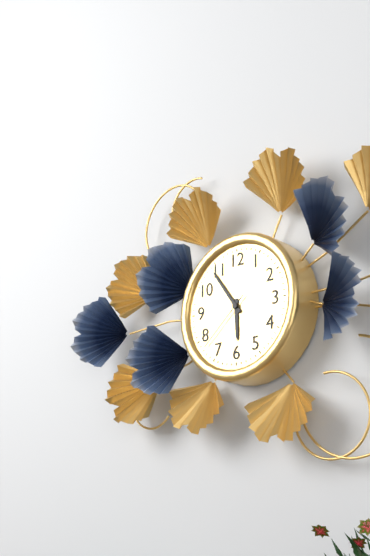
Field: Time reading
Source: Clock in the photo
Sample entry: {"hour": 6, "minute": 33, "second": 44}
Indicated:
{"hour": 5, "minute": 54, "second": 38}
